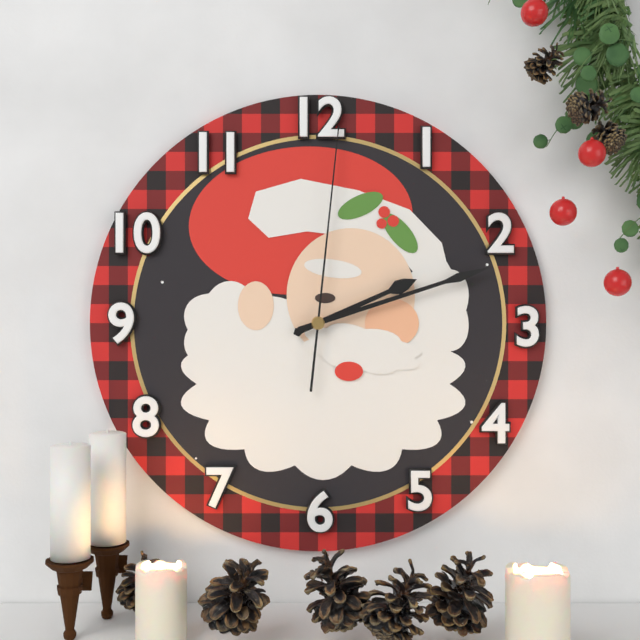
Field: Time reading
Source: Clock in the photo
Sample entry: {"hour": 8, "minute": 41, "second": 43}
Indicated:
{"hour": 2, "minute": 12, "second": 1}
